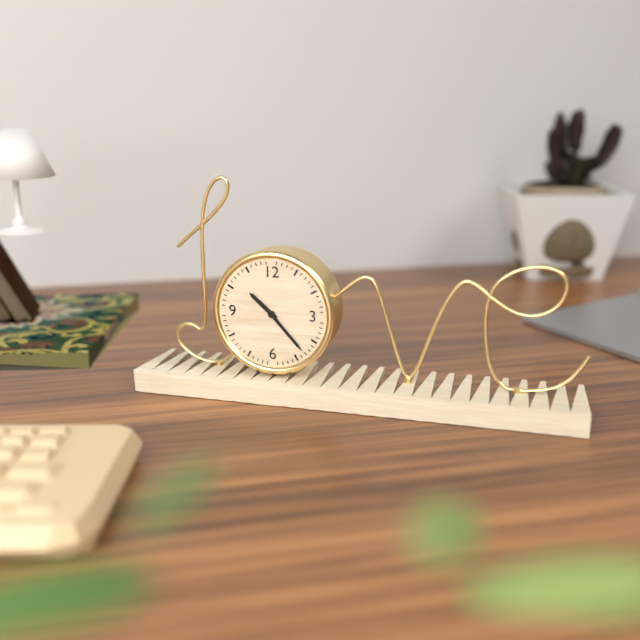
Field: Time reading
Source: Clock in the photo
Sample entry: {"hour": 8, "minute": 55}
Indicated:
{"hour": 10, "minute": 23}
